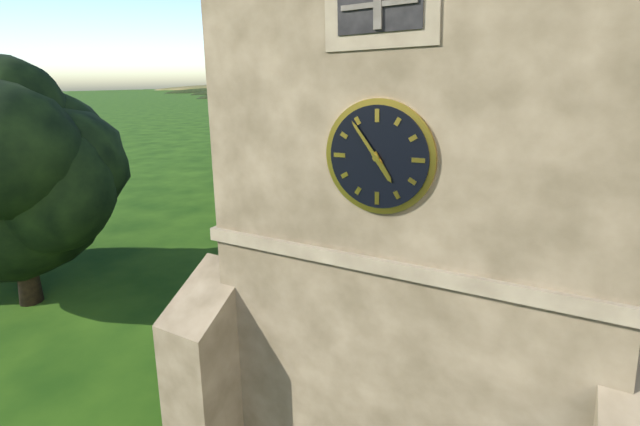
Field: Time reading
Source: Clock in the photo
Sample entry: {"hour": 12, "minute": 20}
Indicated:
{"hour": 4, "minute": 54}
